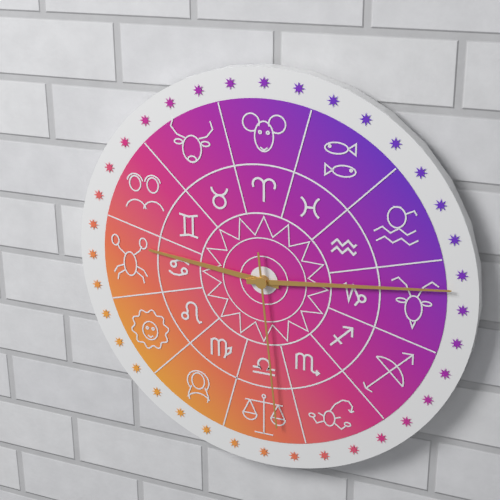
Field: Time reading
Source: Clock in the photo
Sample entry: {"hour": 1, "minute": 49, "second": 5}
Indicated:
{"hour": 9, "minute": 14, "second": 29}
